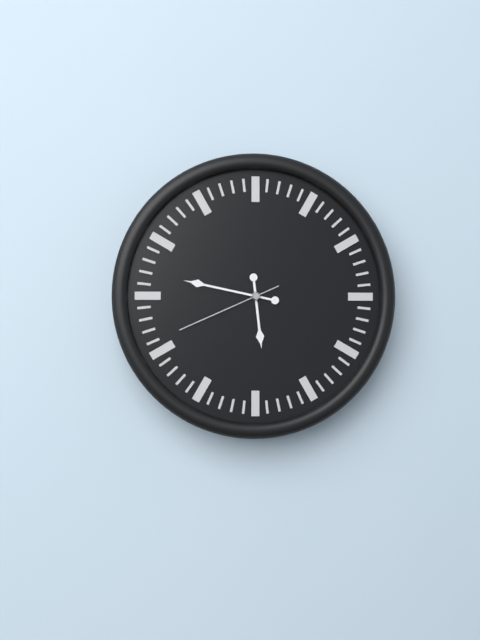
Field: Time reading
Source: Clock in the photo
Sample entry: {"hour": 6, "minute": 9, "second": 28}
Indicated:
{"hour": 5, "minute": 47, "second": 41}
